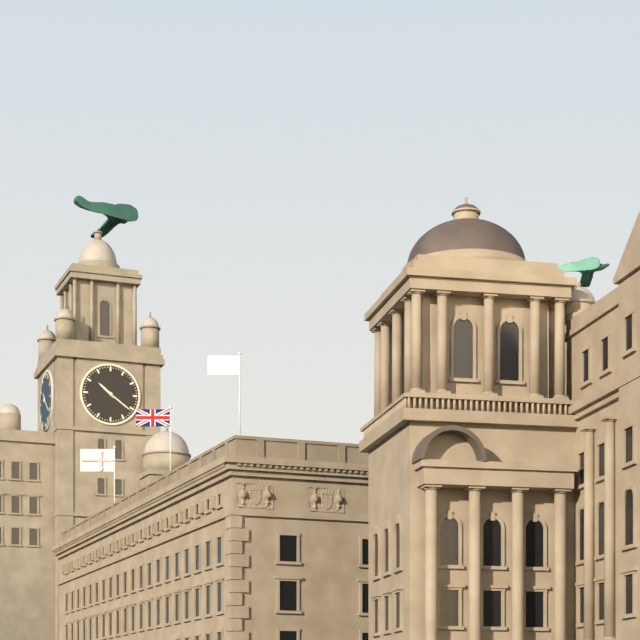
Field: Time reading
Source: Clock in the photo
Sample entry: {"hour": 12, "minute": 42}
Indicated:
{"hour": 10, "minute": 21}
